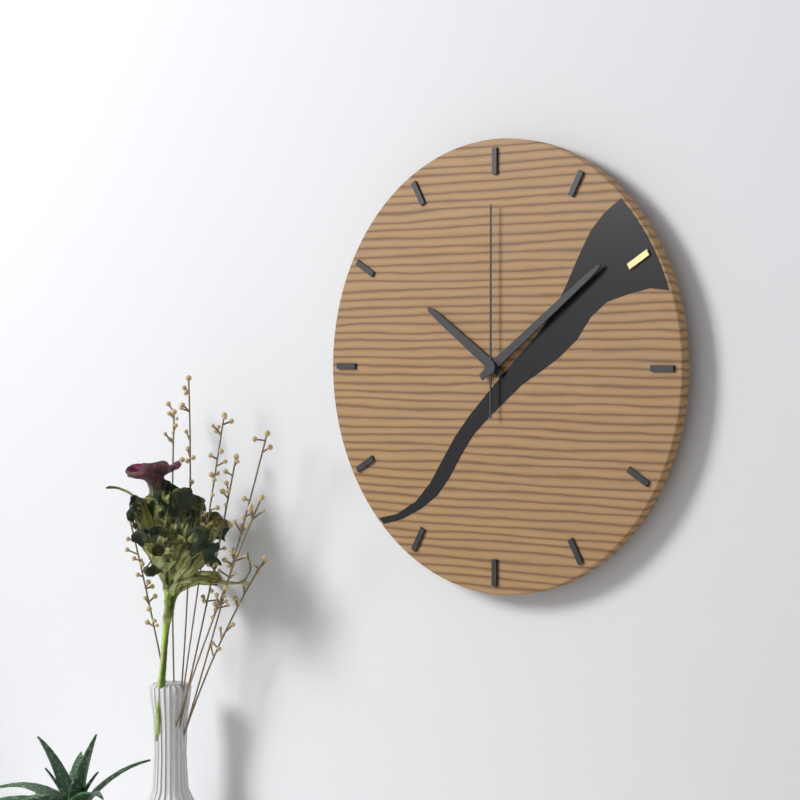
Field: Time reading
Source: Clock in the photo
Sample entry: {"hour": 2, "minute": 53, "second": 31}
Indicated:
{"hour": 10, "minute": 9, "second": 0}
